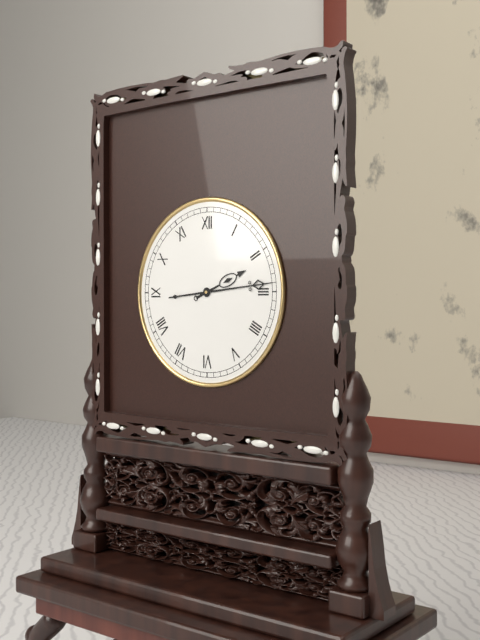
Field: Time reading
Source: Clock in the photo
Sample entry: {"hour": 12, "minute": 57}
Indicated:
{"hour": 2, "minute": 14}
